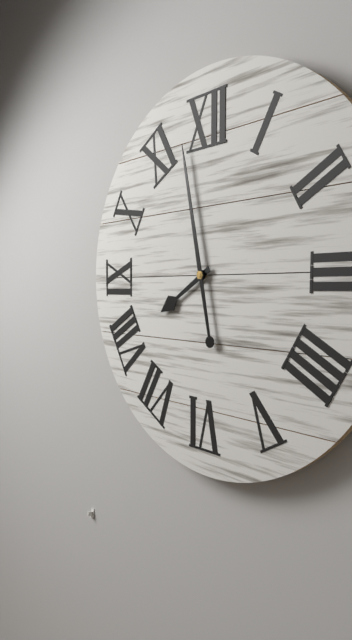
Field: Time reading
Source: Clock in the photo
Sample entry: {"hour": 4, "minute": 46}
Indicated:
{"hour": 7, "minute": 58}
